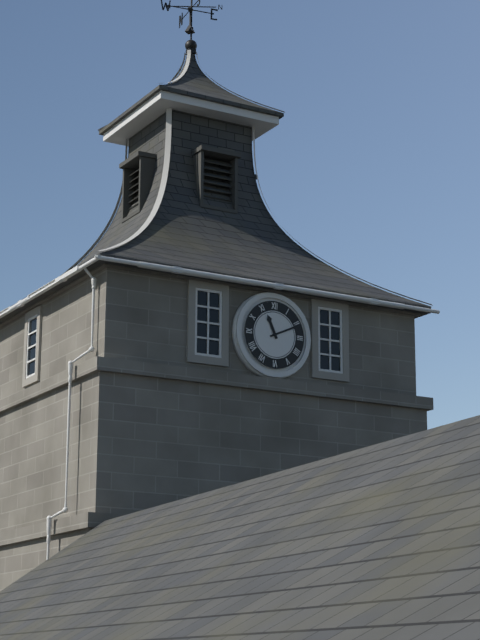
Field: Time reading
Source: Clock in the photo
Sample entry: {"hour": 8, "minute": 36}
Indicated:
{"hour": 11, "minute": 11}
